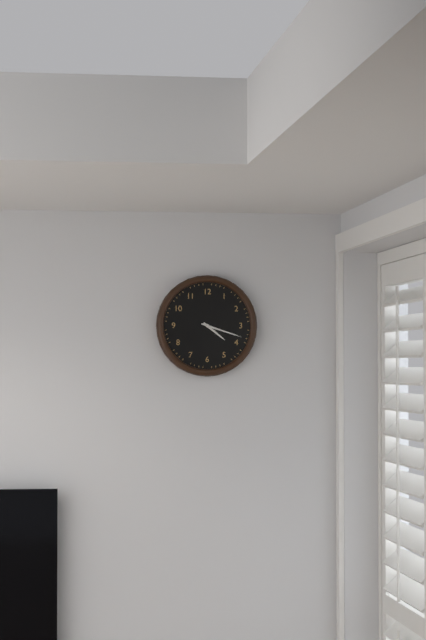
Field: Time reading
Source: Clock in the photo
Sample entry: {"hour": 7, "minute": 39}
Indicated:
{"hour": 4, "minute": 18}
